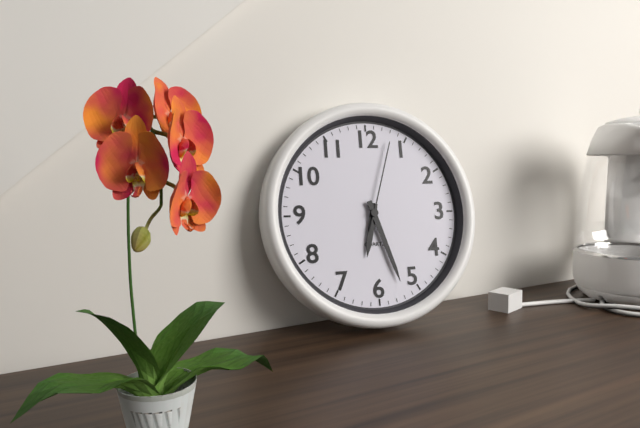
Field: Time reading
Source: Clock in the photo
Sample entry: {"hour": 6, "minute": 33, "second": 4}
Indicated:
{"hour": 6, "minute": 27, "second": 3}
